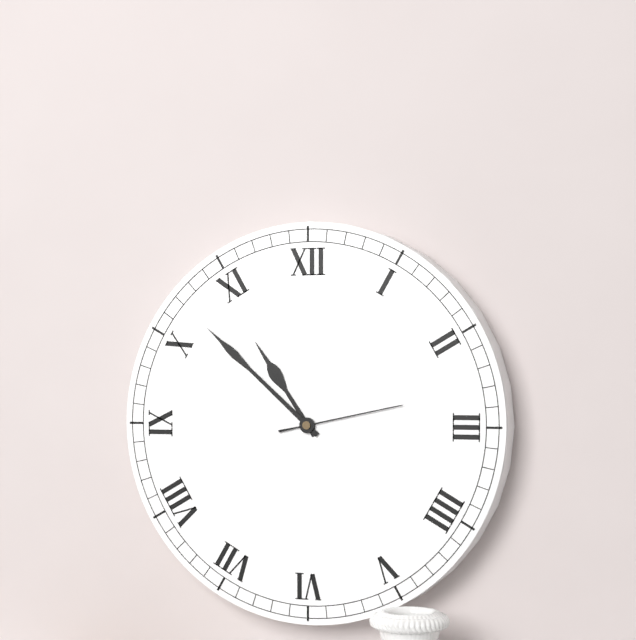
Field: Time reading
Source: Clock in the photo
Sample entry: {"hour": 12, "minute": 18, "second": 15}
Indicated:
{"hour": 10, "minute": 52, "second": 13}
